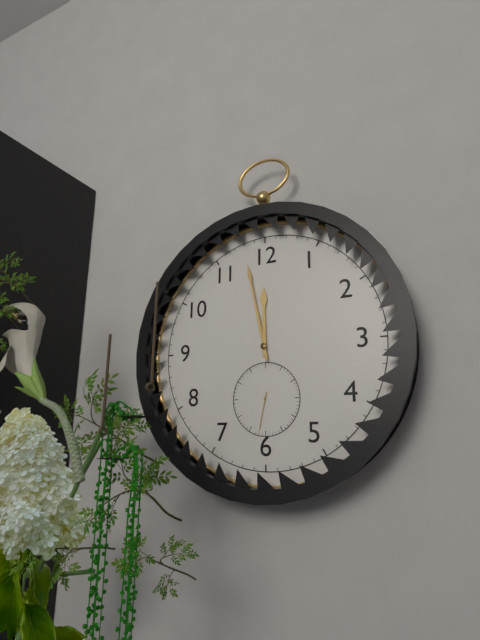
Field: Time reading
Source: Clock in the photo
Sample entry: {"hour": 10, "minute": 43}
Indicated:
{"hour": 11, "minute": 58}
